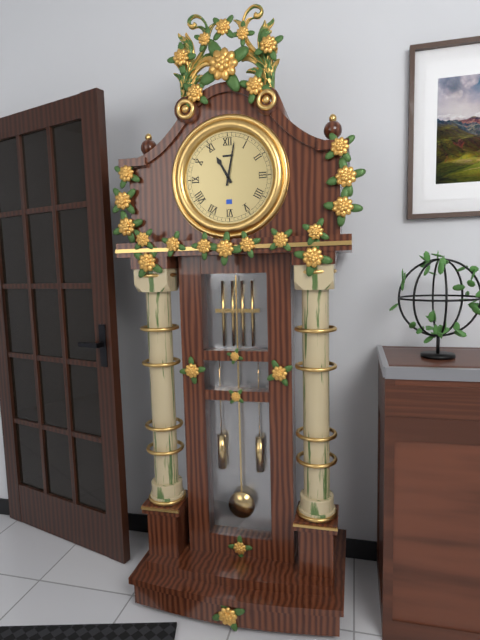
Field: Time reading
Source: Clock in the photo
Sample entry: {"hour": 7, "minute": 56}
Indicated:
{"hour": 11, "minute": 2}
